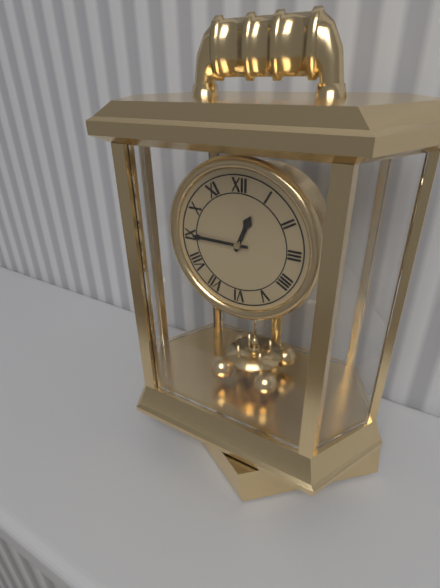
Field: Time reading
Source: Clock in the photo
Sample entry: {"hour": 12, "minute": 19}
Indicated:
{"hour": 12, "minute": 45}
